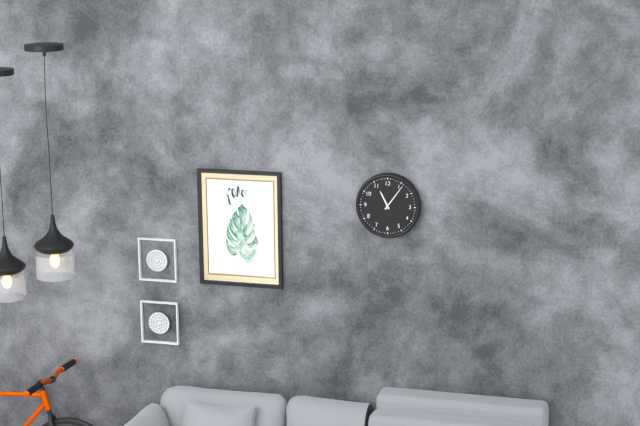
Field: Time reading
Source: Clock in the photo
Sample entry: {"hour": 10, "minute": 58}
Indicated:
{"hour": 11, "minute": 6}
